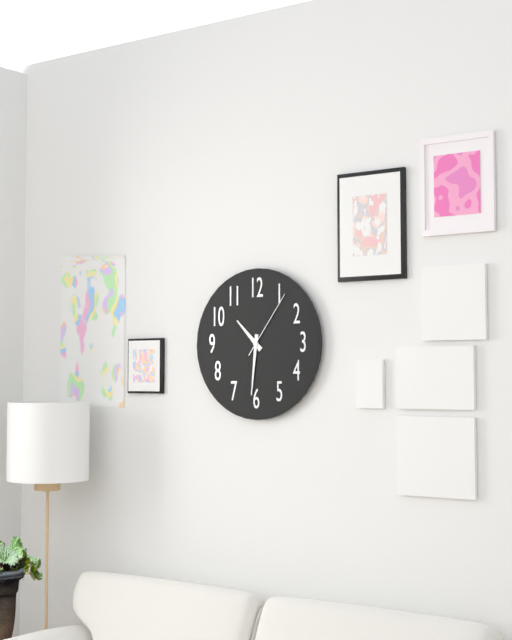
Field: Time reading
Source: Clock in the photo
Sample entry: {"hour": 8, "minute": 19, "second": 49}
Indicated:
{"hour": 10, "minute": 31, "second": 6}
